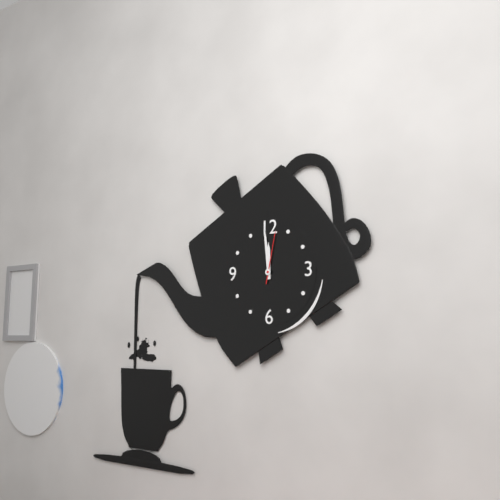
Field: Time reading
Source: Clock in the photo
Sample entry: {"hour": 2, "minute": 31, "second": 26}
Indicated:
{"hour": 11, "minute": 59, "second": 2}
